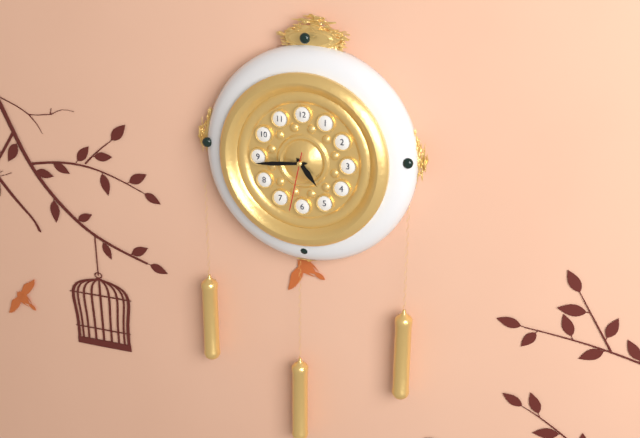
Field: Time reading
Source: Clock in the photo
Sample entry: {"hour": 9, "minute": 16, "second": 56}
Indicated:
{"hour": 4, "minute": 44, "second": 32}
